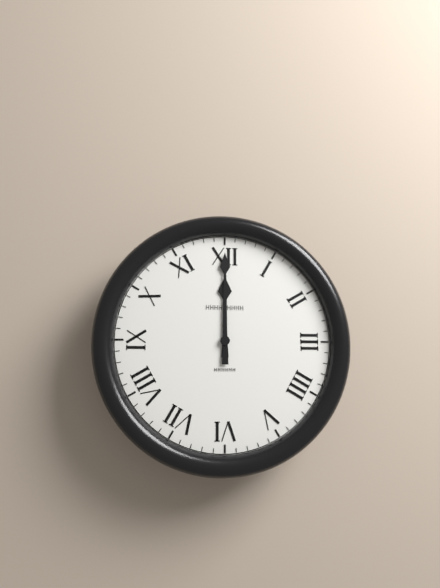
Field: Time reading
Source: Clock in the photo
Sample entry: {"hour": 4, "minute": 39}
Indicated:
{"hour": 12, "minute": 0}
